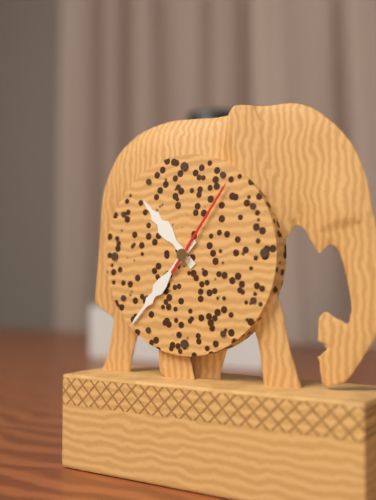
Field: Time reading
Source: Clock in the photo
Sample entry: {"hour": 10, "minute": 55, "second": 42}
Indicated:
{"hour": 10, "minute": 37, "second": 6}
